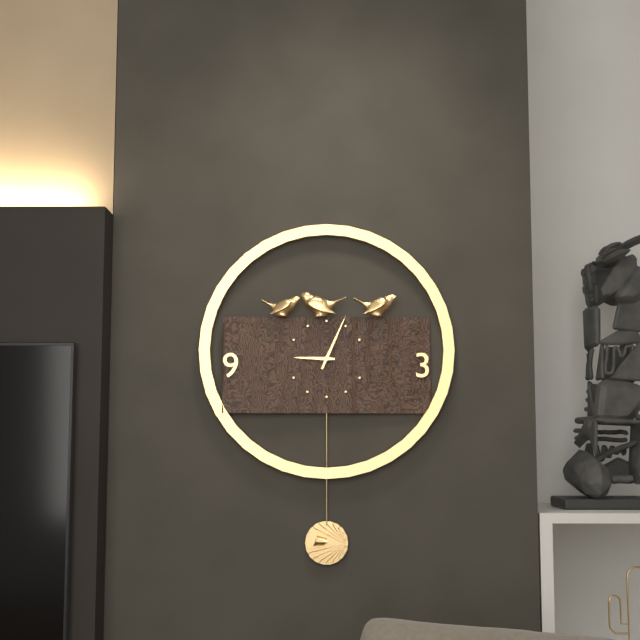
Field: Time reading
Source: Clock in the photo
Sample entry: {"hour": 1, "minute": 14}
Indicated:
{"hour": 9, "minute": 4}
